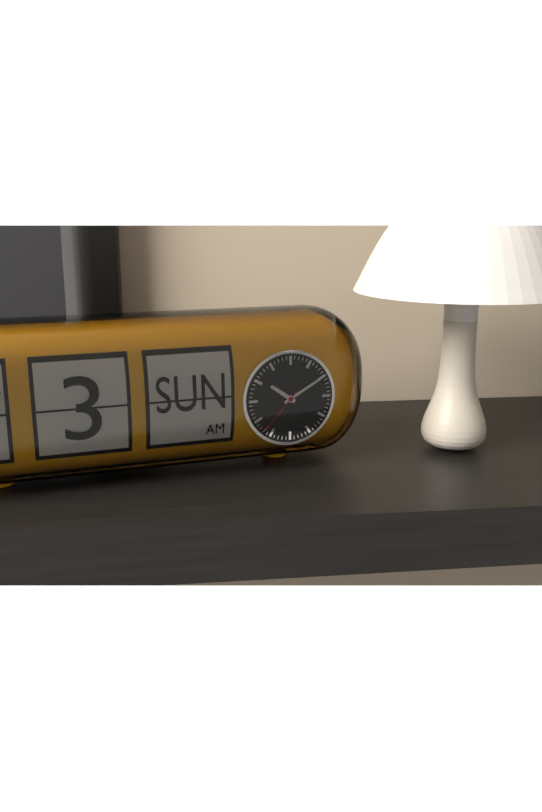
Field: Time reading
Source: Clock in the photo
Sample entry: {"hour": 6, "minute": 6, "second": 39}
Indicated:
{"hour": 10, "minute": 10, "second": 37}
